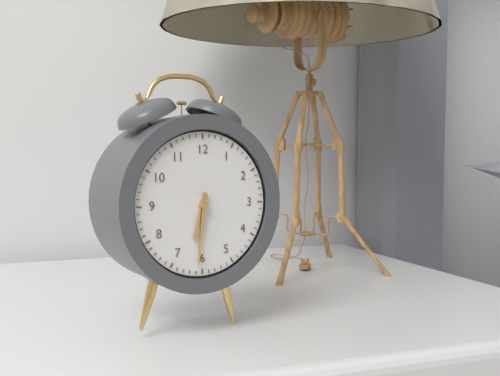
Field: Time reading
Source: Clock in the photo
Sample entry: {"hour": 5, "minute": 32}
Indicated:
{"hour": 6, "minute": 31}
